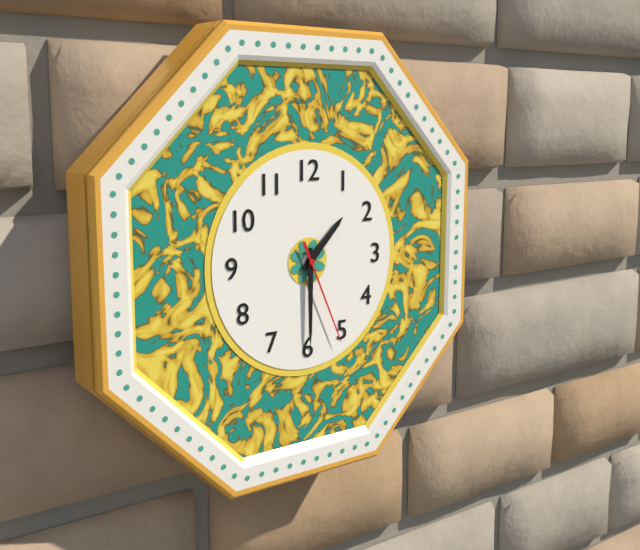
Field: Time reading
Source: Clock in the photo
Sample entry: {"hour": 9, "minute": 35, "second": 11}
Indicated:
{"hour": 1, "minute": 30, "second": 26}
